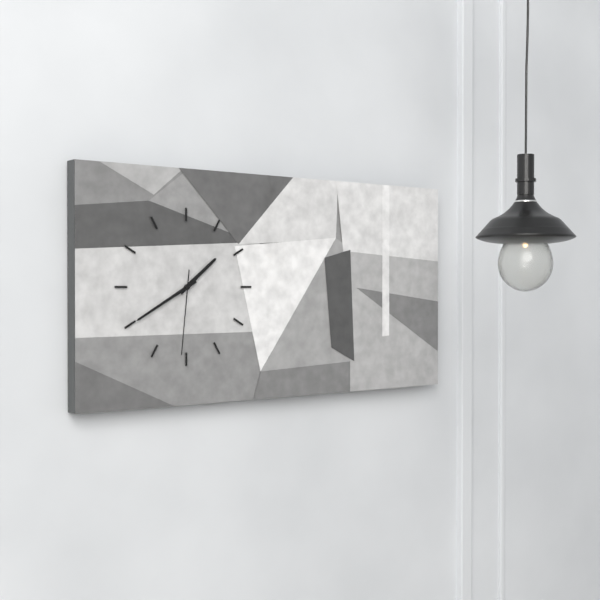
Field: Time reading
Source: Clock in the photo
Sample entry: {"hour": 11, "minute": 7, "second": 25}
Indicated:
{"hour": 1, "minute": 40, "second": 31}
